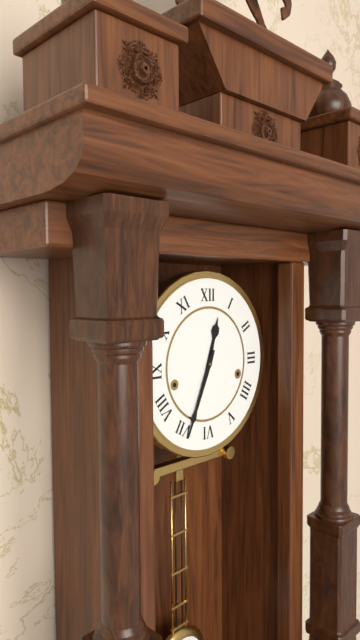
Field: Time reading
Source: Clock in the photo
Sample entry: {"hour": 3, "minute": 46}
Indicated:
{"hour": 12, "minute": 34}
